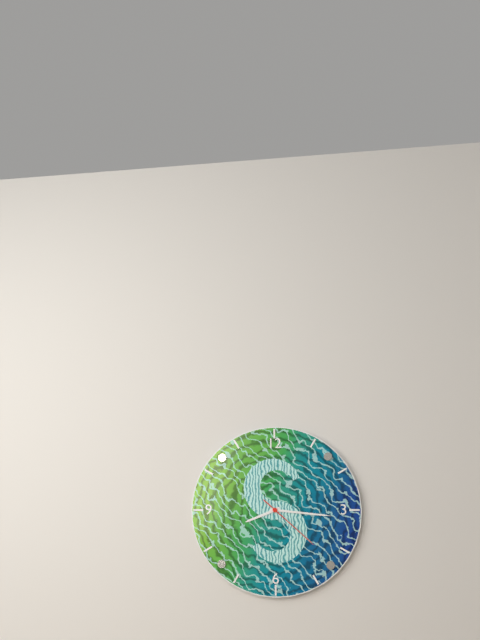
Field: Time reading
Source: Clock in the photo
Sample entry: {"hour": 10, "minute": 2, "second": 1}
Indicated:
{"hour": 8, "minute": 16, "second": 22}
